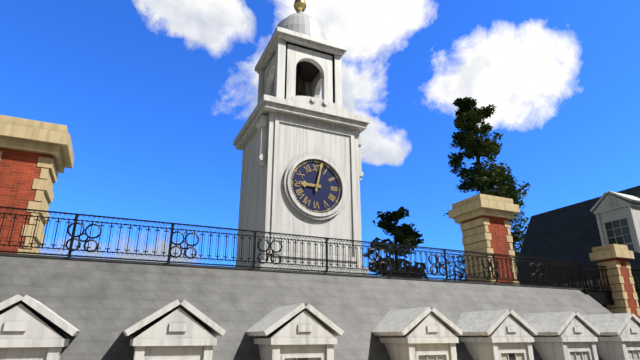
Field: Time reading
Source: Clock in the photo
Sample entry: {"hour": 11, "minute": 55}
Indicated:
{"hour": 9, "minute": 2}
